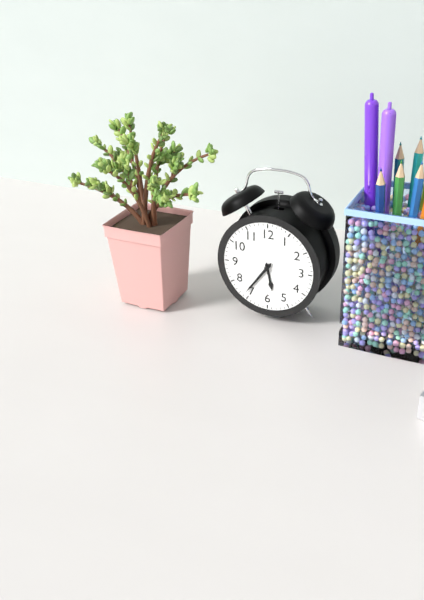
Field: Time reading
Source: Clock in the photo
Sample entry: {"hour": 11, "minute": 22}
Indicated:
{"hour": 5, "minute": 36}
